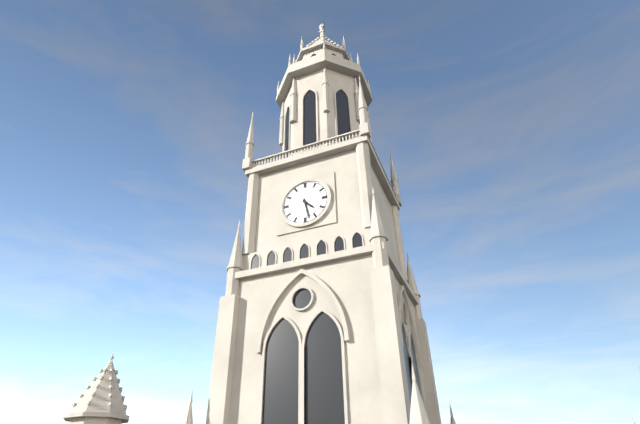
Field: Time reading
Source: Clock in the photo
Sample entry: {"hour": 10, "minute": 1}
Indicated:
{"hour": 4, "minute": 28}
